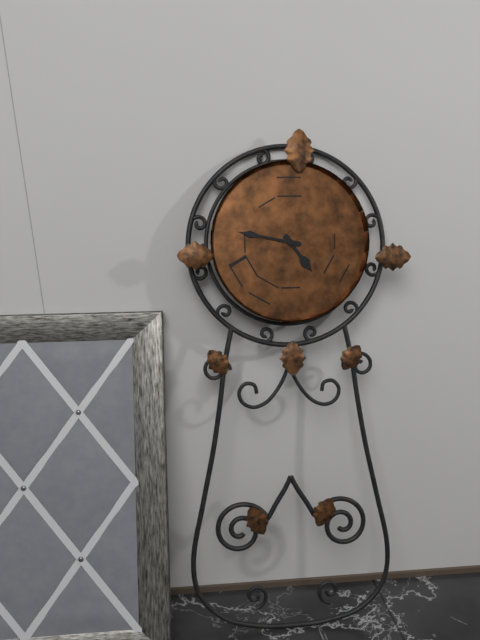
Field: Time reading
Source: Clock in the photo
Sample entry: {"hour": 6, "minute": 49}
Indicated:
{"hour": 4, "minute": 47}
